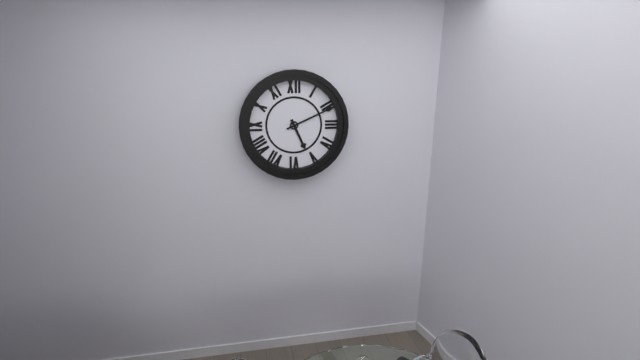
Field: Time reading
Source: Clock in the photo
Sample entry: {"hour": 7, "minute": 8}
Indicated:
{"hour": 5, "minute": 11}
